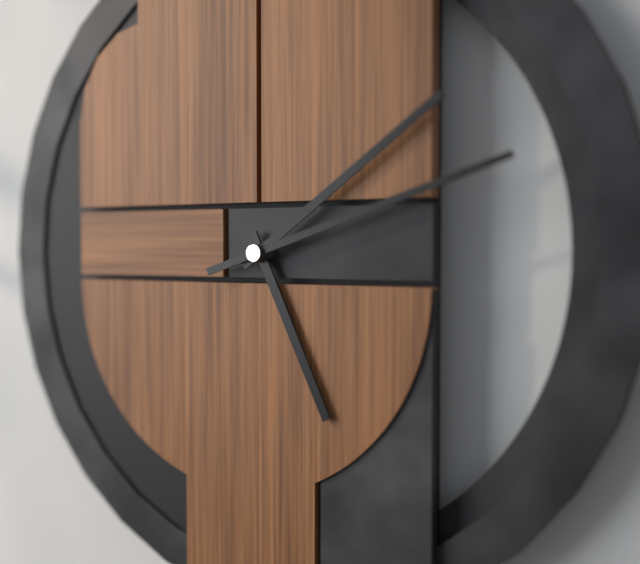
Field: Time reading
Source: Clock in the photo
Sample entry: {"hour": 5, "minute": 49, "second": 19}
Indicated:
{"hour": 5, "minute": 9, "second": 12}
